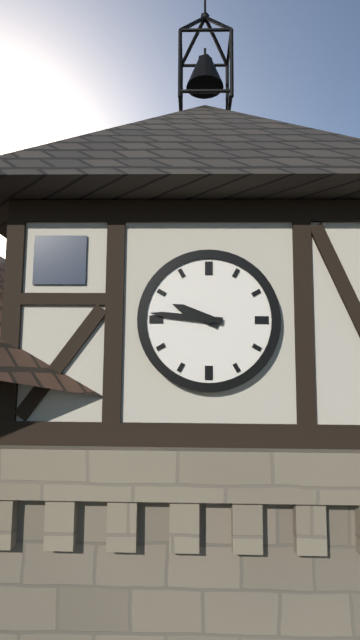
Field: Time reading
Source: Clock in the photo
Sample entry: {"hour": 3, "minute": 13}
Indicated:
{"hour": 9, "minute": 46}
